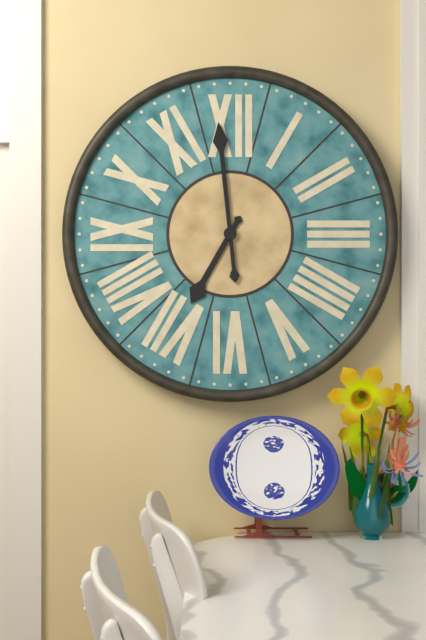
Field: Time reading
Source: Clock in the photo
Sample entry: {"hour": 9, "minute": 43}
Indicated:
{"hour": 6, "minute": 59}
